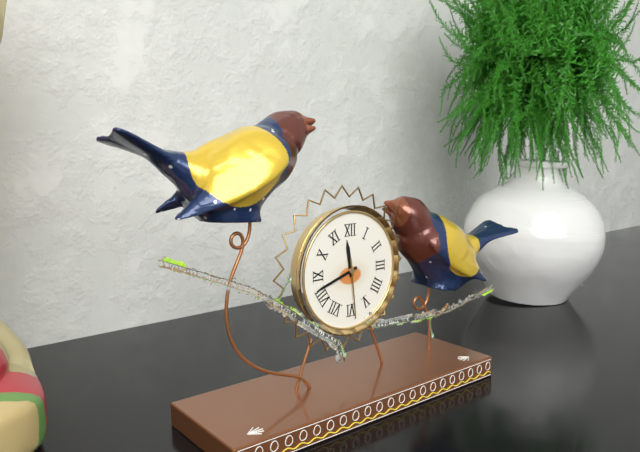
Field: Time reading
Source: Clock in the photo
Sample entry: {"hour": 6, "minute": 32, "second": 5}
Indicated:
{"hour": 11, "minute": 42, "second": 29}
